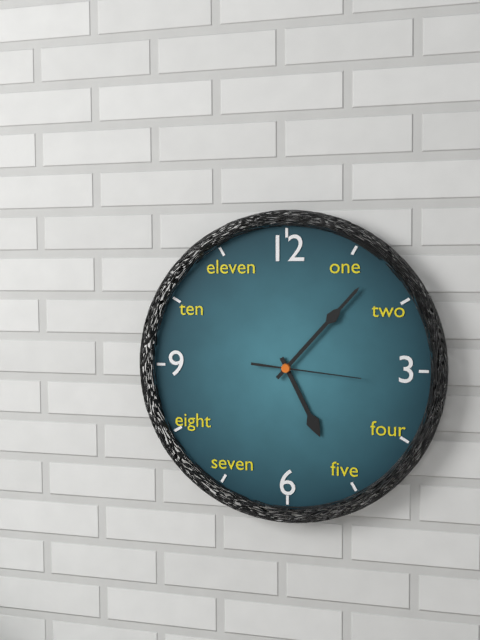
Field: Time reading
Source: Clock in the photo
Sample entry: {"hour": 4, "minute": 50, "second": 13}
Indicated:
{"hour": 5, "minute": 7, "second": 16}
